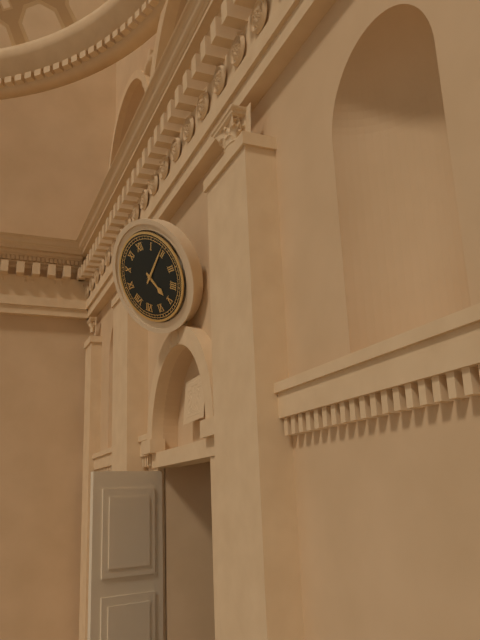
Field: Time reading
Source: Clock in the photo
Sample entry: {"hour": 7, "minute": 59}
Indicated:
{"hour": 5, "minute": 9}
